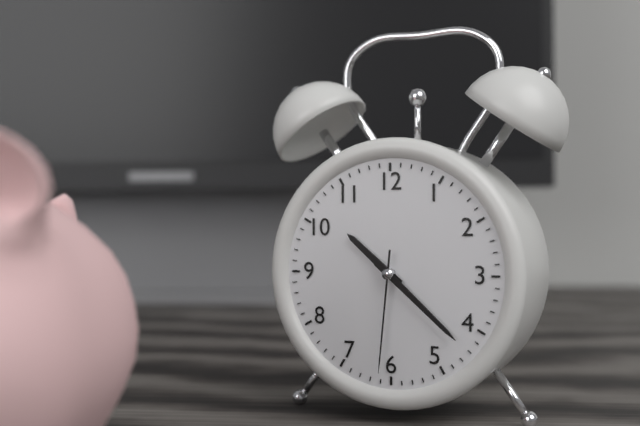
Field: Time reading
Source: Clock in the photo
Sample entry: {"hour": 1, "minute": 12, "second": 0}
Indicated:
{"hour": 10, "minute": 22, "second": 31}
